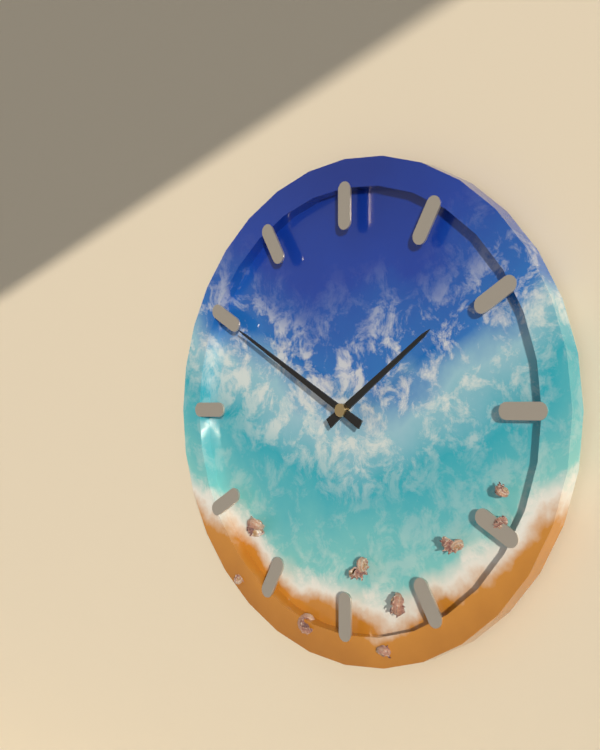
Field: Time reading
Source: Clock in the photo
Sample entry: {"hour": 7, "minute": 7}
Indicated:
{"hour": 1, "minute": 50}
